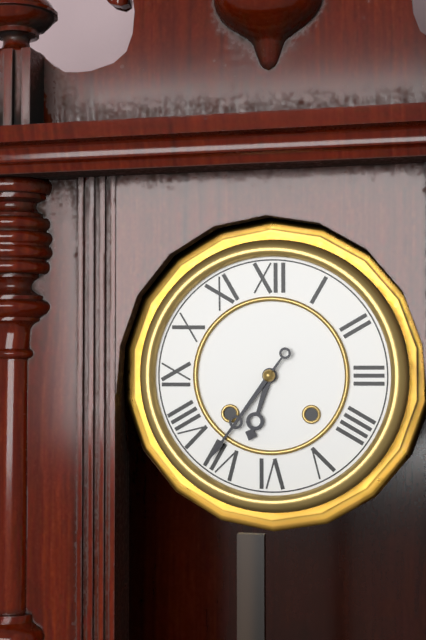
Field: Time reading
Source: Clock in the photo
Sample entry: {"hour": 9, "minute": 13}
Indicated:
{"hour": 6, "minute": 36}
